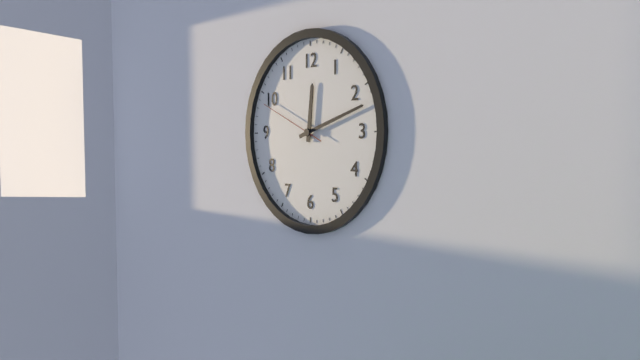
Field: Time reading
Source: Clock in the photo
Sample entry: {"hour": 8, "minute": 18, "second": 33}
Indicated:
{"hour": 12, "minute": 12, "second": 49}
